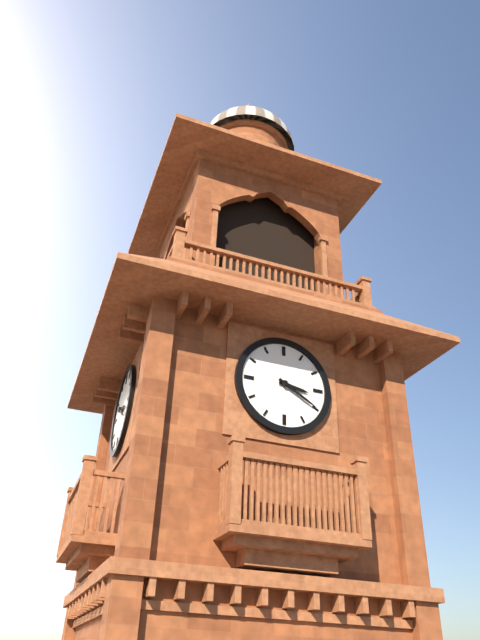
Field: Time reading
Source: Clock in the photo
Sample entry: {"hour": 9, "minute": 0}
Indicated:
{"hour": 3, "minute": 20}
